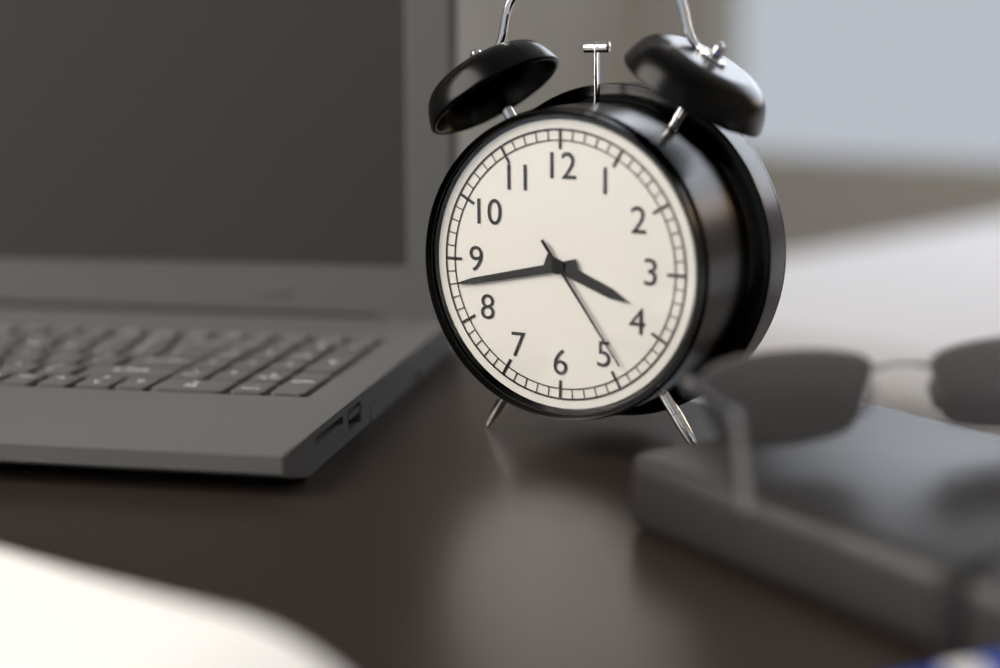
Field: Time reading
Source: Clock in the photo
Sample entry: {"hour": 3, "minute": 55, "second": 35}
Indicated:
{"hour": 3, "minute": 43, "second": 24}
